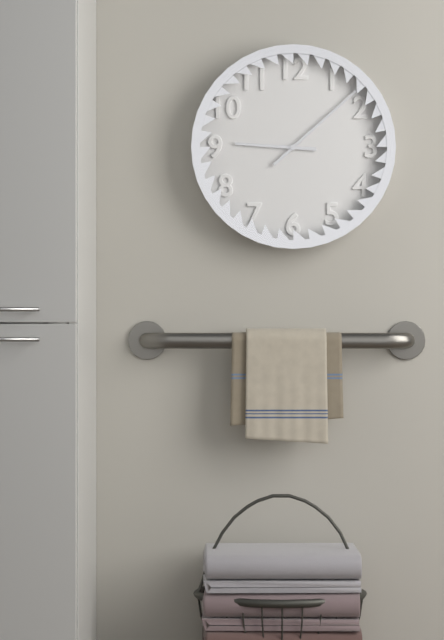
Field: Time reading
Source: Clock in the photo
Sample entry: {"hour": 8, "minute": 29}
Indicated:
{"hour": 9, "minute": 8}
